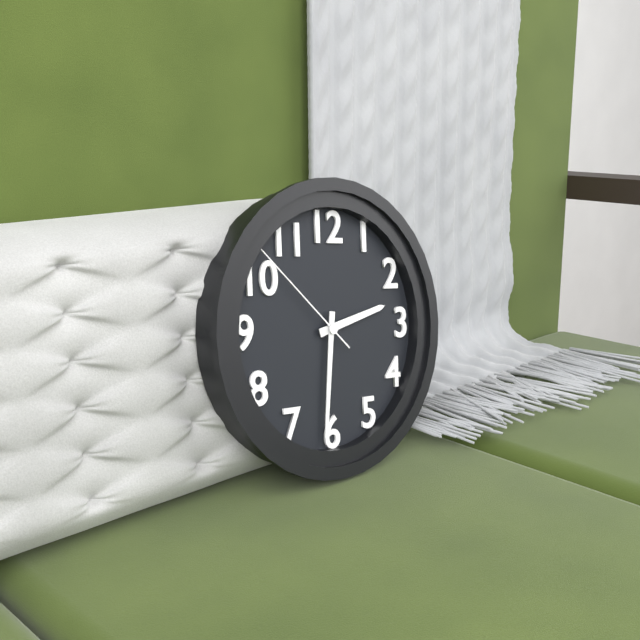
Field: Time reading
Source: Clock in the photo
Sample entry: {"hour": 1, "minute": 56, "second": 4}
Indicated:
{"hour": 2, "minute": 31, "second": 52}
